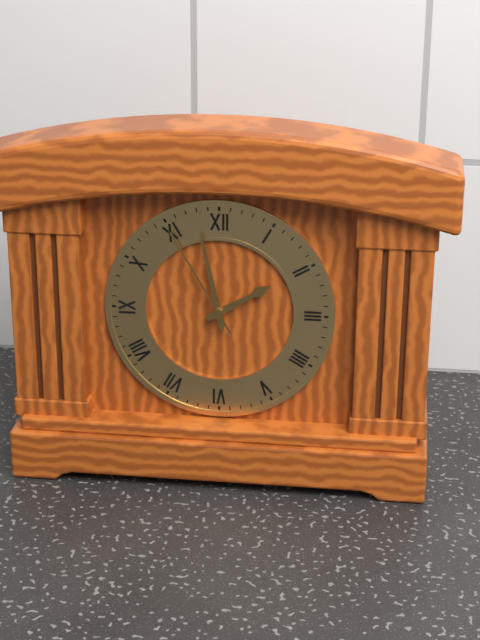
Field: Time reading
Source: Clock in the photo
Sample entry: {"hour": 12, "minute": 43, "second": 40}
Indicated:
{"hour": 1, "minute": 58, "second": 55}
